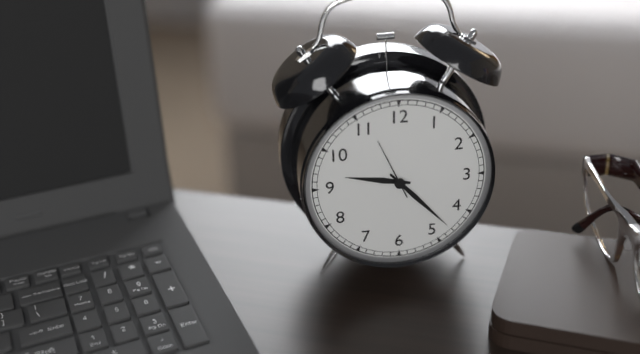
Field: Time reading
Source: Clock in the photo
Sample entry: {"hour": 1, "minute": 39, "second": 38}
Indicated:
{"hour": 9, "minute": 23, "second": 56}
